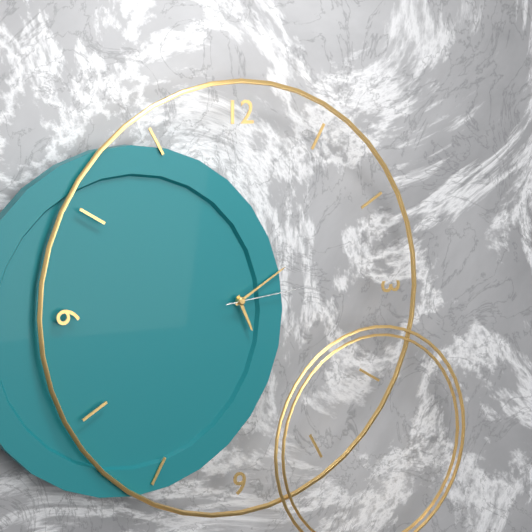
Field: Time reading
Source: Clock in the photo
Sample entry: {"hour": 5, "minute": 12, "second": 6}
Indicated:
{"hour": 5, "minute": 10, "second": 14}
